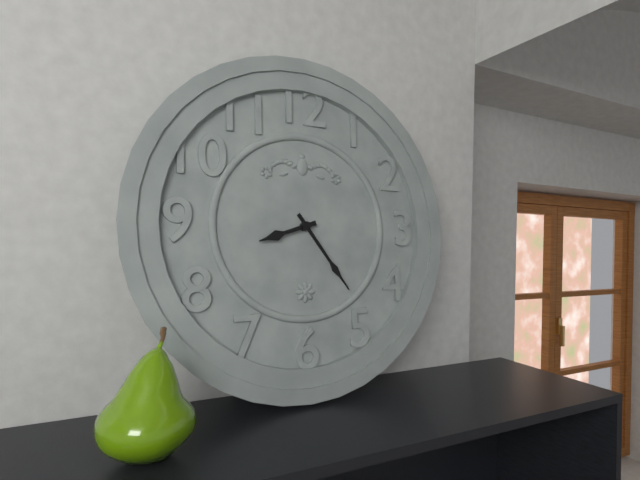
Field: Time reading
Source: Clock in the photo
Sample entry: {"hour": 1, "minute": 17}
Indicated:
{"hour": 8, "minute": 24}
